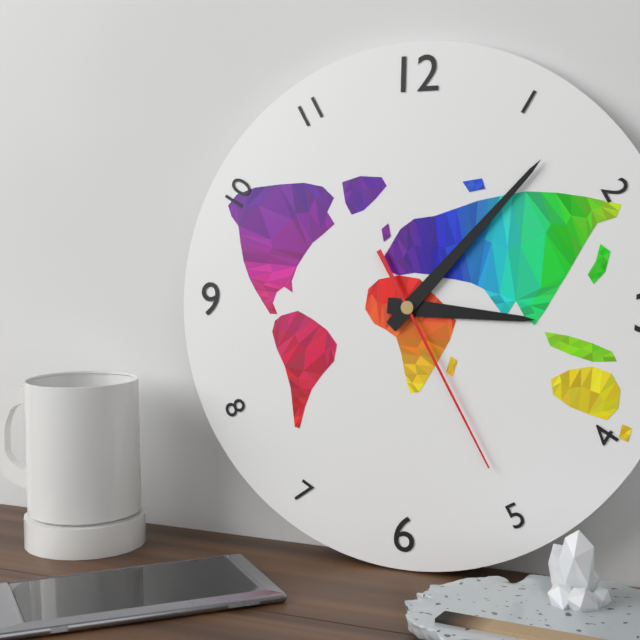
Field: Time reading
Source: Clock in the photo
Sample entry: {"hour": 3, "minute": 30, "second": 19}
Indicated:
{"hour": 3, "minute": 7, "second": 25}
